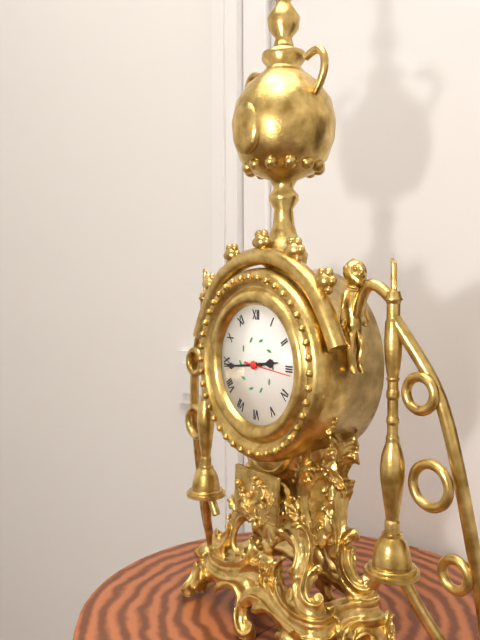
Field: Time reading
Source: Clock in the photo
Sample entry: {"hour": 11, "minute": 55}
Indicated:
{"hour": 2, "minute": 44}
